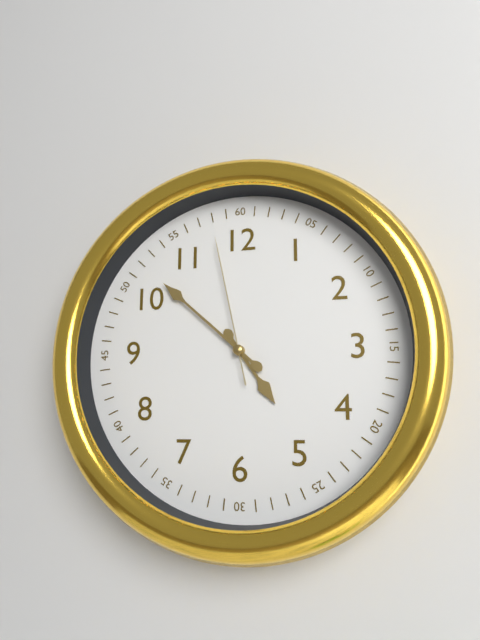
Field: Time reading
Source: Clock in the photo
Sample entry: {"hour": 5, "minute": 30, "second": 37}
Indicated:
{"hour": 4, "minute": 52, "second": 58}
